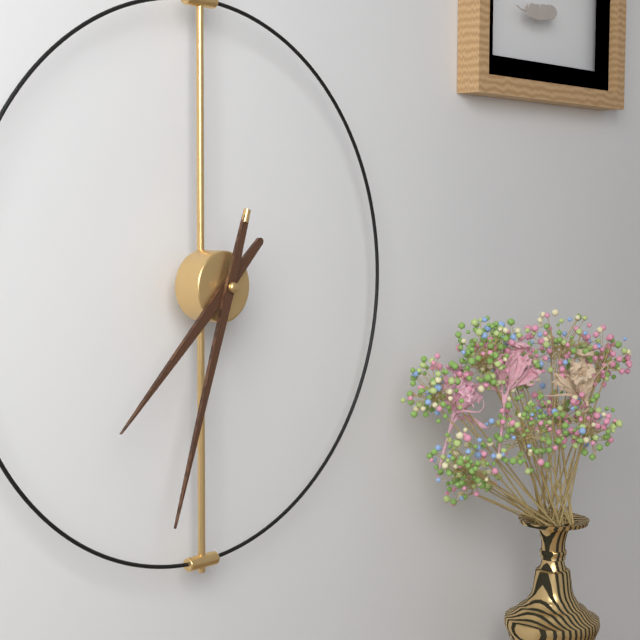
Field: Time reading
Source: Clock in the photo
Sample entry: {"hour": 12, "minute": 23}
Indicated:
{"hour": 7, "minute": 33}
